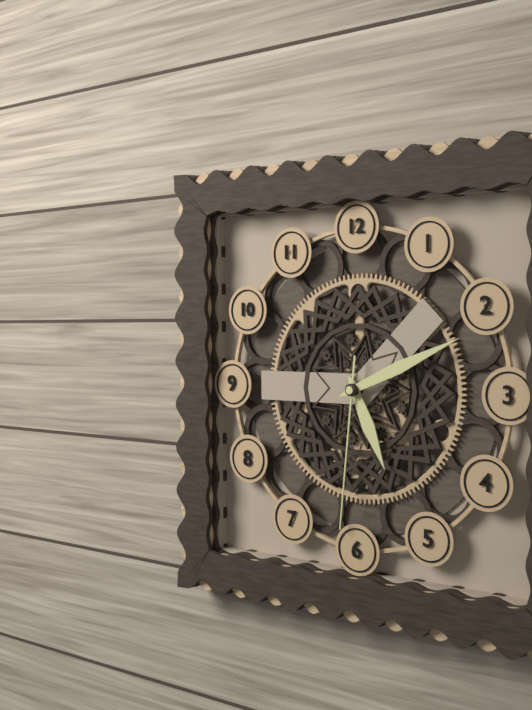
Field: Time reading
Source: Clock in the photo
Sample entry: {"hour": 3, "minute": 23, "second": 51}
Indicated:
{"hour": 5, "minute": 11, "second": 31}
